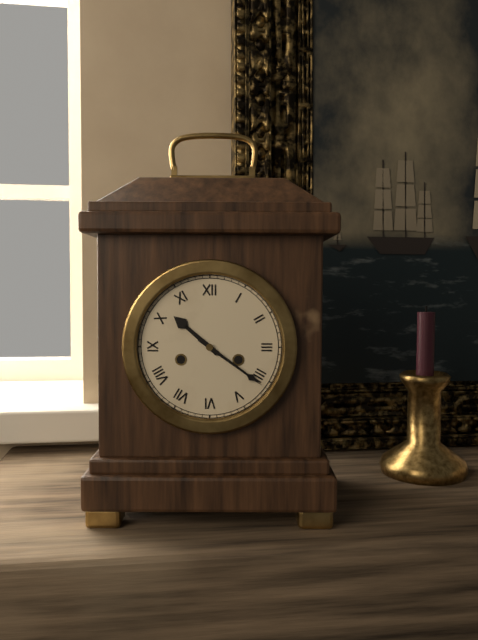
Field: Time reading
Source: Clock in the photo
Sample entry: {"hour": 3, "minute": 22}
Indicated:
{"hour": 10, "minute": 21}
